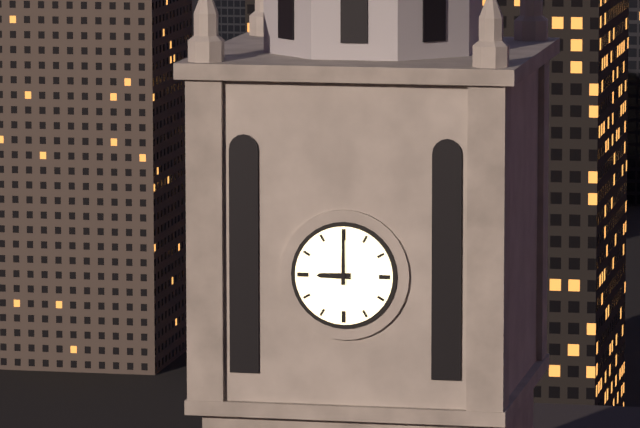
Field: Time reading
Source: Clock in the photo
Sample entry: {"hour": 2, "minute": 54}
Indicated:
{"hour": 9, "minute": 0}
